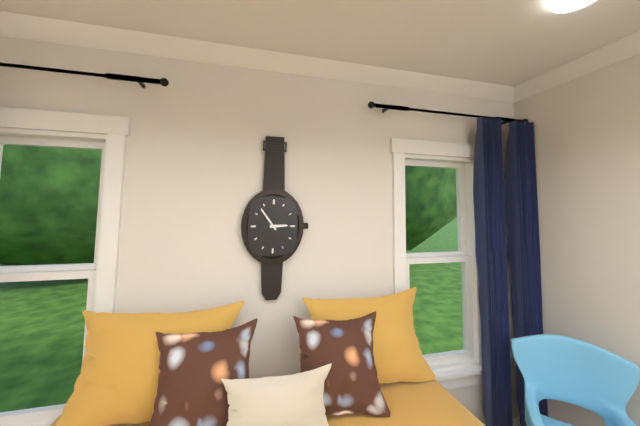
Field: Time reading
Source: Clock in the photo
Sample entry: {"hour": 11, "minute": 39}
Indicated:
{"hour": 2, "minute": 54}
